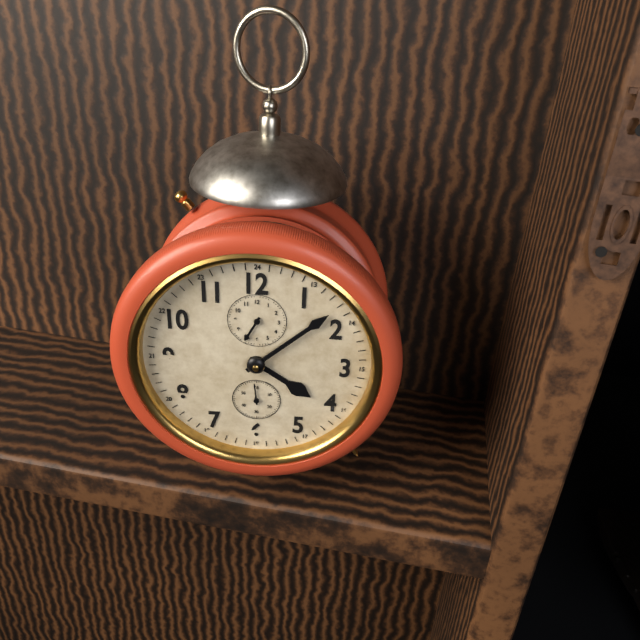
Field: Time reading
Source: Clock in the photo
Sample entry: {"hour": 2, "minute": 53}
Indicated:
{"hour": 4, "minute": 8}
